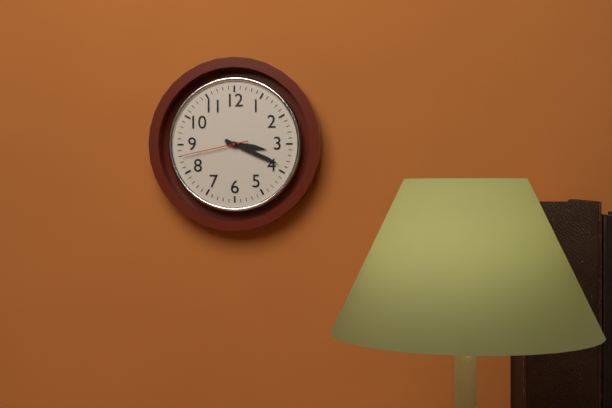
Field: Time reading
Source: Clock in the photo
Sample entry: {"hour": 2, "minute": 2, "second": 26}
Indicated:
{"hour": 3, "minute": 19, "second": 43}
